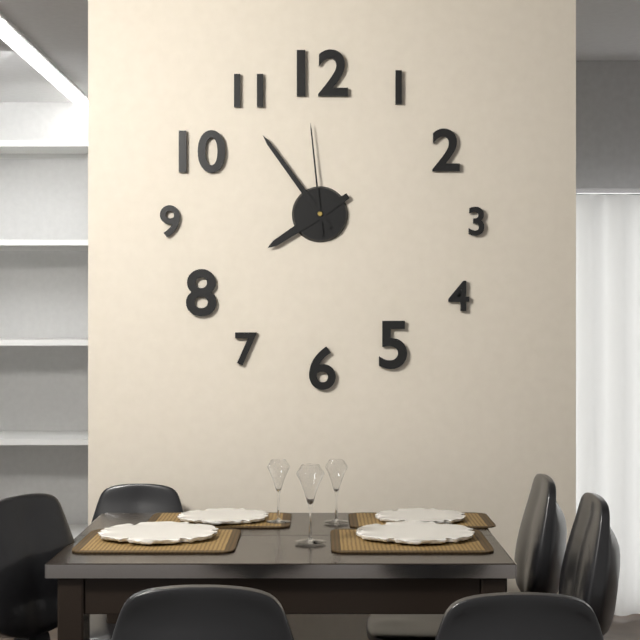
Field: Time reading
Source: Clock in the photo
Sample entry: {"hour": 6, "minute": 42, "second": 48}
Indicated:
{"hour": 7, "minute": 54, "second": 59}
